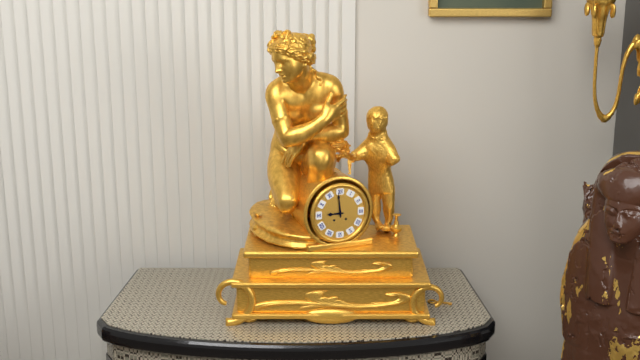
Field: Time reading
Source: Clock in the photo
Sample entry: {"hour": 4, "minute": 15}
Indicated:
{"hour": 8, "minute": 59}
